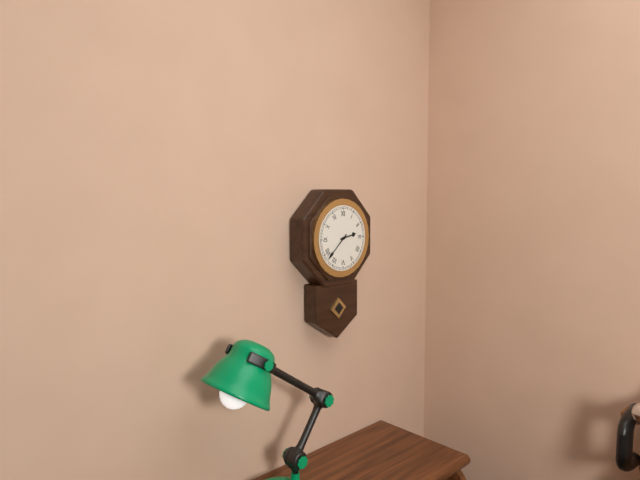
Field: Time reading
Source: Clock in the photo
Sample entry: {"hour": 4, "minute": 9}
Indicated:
{"hour": 2, "minute": 38}
